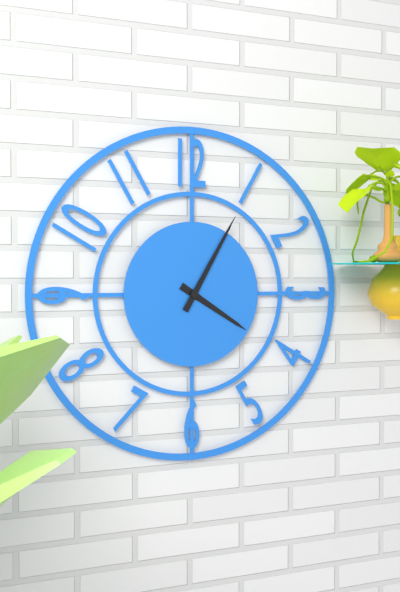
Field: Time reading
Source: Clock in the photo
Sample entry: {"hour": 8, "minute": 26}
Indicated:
{"hour": 4, "minute": 5}
